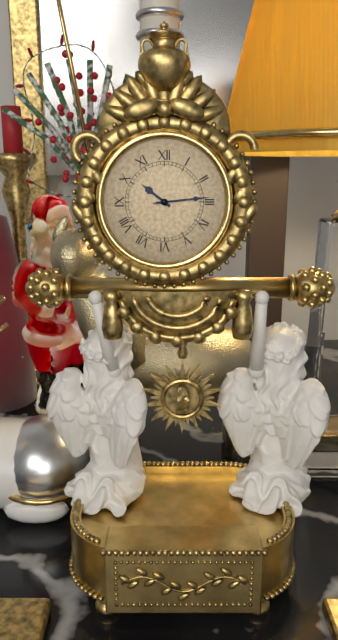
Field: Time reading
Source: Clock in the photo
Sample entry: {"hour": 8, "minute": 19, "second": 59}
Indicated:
{"hour": 10, "minute": 14, "second": 14}
